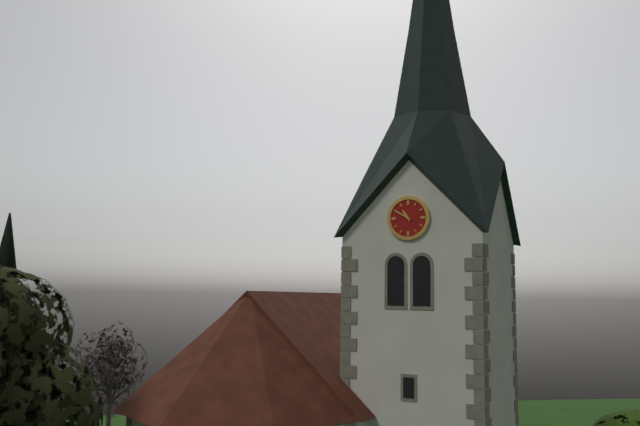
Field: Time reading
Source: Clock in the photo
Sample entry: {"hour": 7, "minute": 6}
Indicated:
{"hour": 10, "minute": 50}
